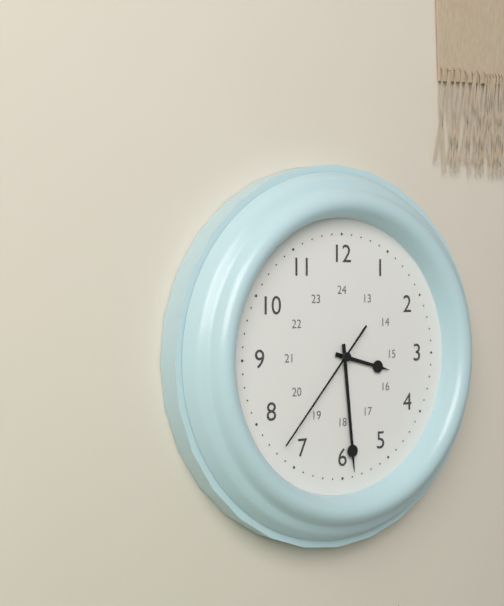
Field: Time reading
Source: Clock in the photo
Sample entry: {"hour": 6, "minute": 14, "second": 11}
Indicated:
{"hour": 3, "minute": 29, "second": 37}
